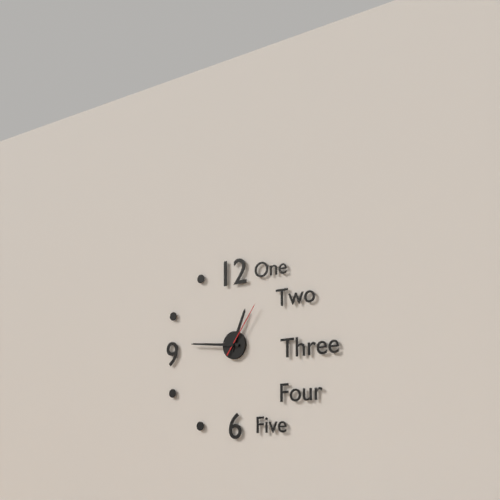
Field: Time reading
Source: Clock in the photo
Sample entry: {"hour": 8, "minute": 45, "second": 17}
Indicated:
{"hour": 12, "minute": 46, "second": 6}
